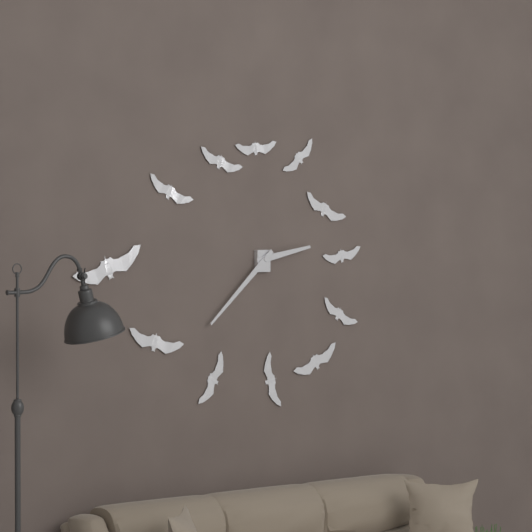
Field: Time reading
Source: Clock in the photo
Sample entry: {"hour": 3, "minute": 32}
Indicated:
{"hour": 2, "minute": 38}
